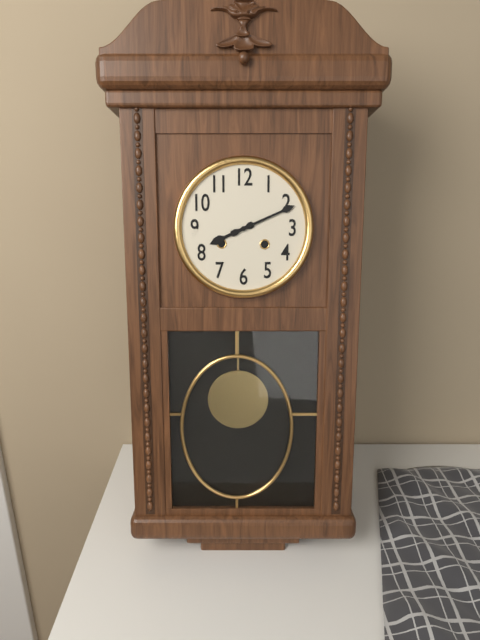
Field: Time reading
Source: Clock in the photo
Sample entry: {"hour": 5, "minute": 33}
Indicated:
{"hour": 8, "minute": 11}
